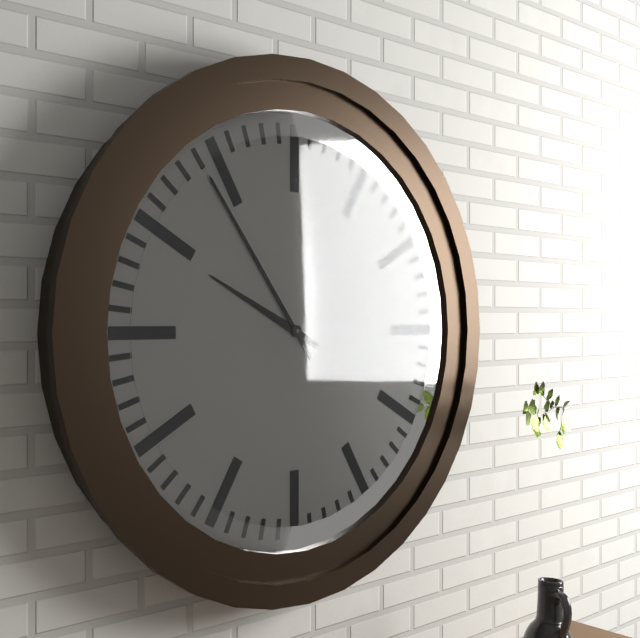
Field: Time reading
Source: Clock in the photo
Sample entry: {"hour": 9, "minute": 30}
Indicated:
{"hour": 9, "minute": 54}
